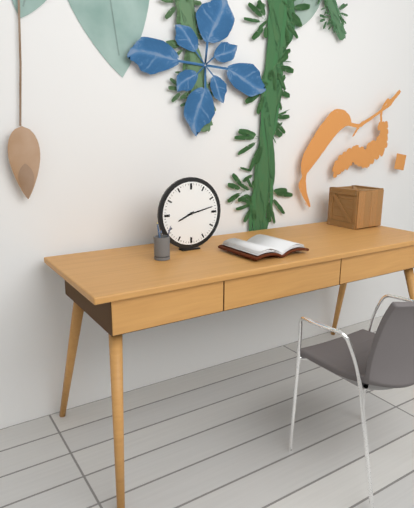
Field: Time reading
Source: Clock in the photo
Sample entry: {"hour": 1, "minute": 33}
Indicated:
{"hour": 8, "minute": 13}
